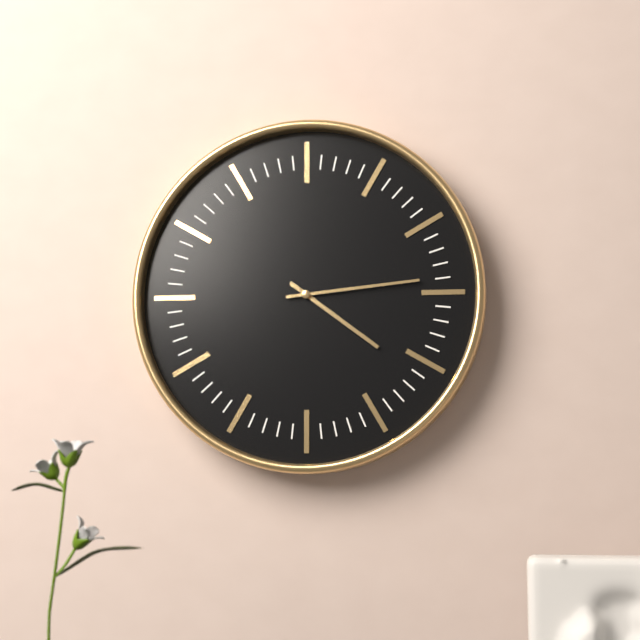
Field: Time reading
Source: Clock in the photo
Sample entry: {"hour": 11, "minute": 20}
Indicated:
{"hour": 4, "minute": 14}
